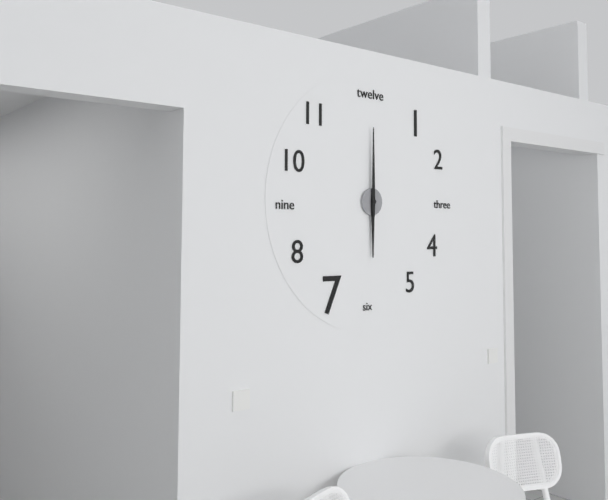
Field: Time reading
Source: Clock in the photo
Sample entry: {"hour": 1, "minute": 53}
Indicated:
{"hour": 6, "minute": 0}
